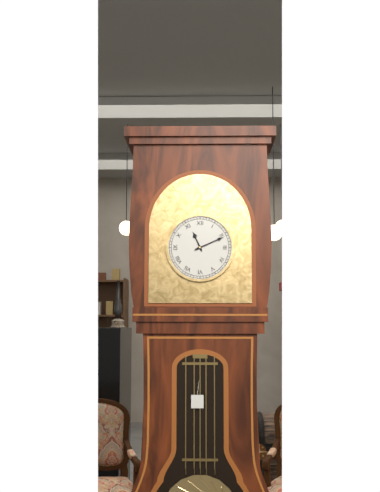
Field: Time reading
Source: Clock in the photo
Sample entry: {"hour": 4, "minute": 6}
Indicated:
{"hour": 11, "minute": 11}
